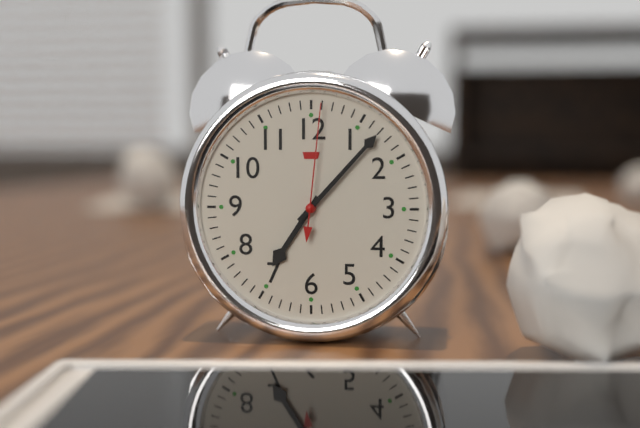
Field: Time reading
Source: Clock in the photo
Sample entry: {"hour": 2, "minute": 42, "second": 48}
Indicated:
{"hour": 7, "minute": 7, "second": 1}
